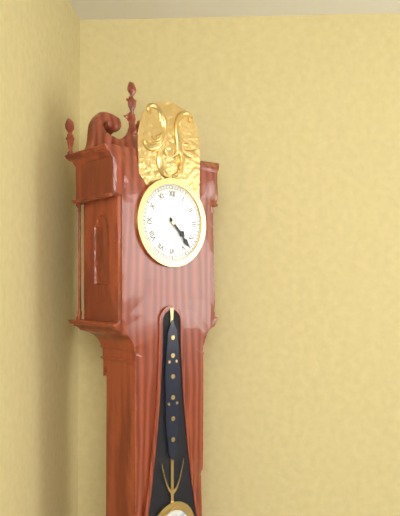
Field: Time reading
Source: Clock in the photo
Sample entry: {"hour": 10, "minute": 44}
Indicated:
{"hour": 4, "minute": 23}
